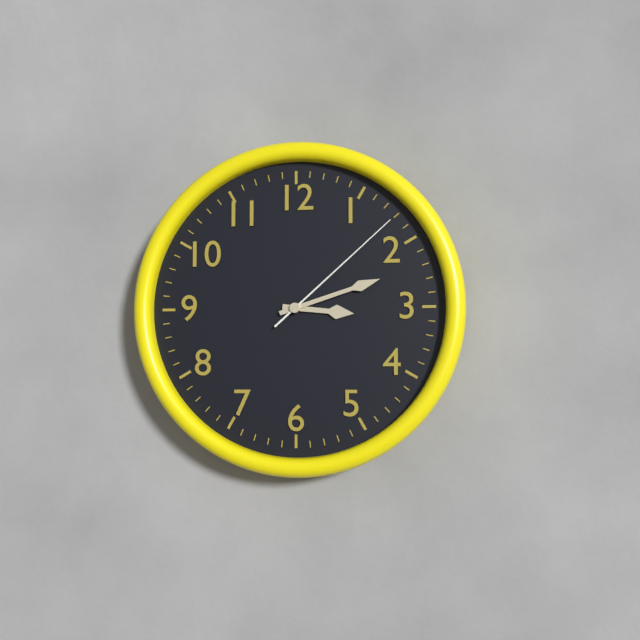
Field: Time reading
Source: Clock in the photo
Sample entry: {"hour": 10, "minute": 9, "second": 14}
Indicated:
{"hour": 3, "minute": 12, "second": 8}
